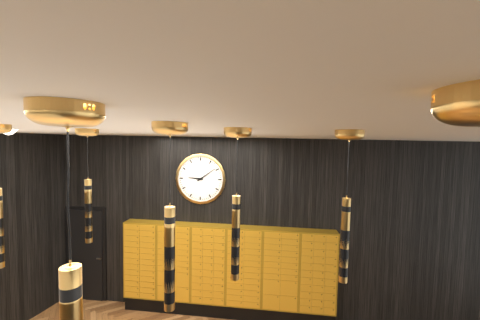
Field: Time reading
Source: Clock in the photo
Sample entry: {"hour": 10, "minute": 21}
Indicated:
{"hour": 9, "minute": 9}
